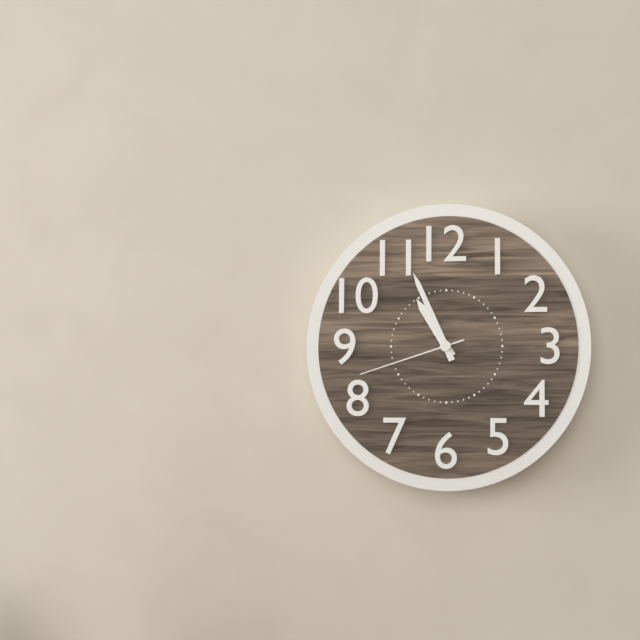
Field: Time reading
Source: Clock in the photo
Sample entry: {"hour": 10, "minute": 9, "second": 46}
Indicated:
{"hour": 10, "minute": 56, "second": 42}
